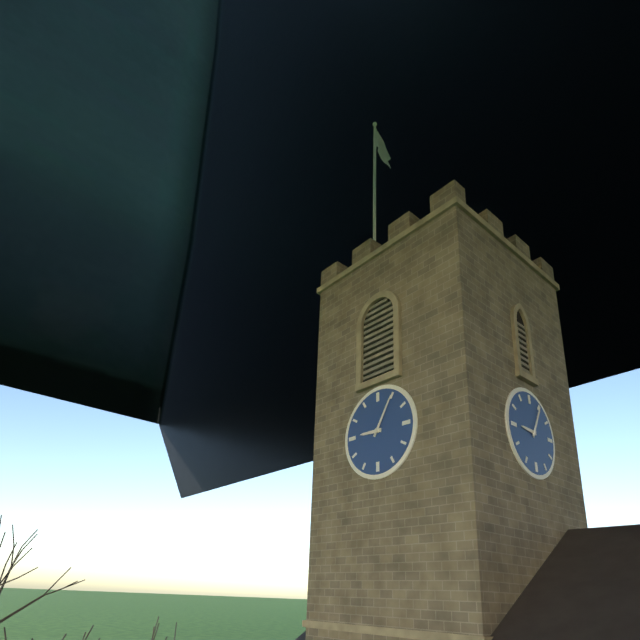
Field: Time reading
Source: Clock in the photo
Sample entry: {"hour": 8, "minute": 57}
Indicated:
{"hour": 9, "minute": 5}
